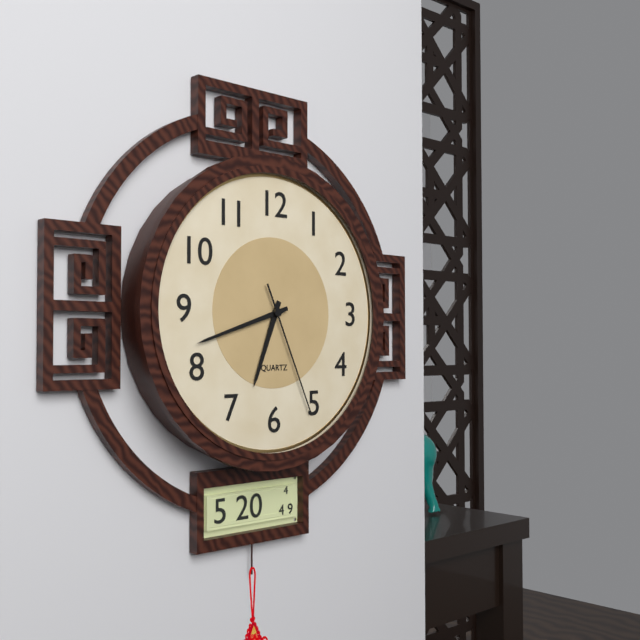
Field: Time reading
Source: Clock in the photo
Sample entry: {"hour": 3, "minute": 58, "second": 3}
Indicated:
{"hour": 6, "minute": 42, "second": 26}
